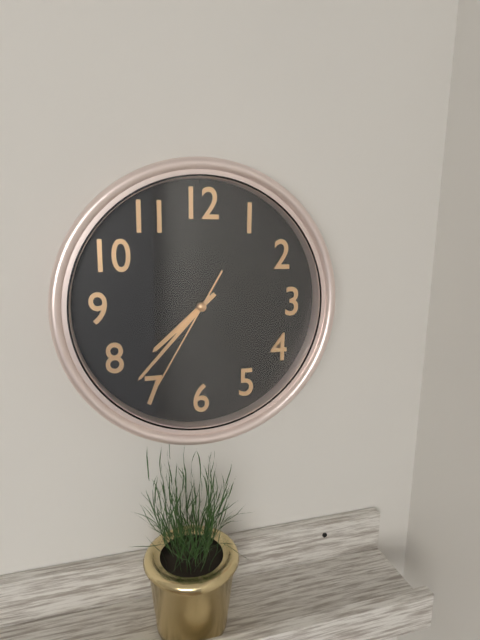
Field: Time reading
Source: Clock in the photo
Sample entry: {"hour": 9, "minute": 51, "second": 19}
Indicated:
{"hour": 7, "minute": 37, "second": 35}
